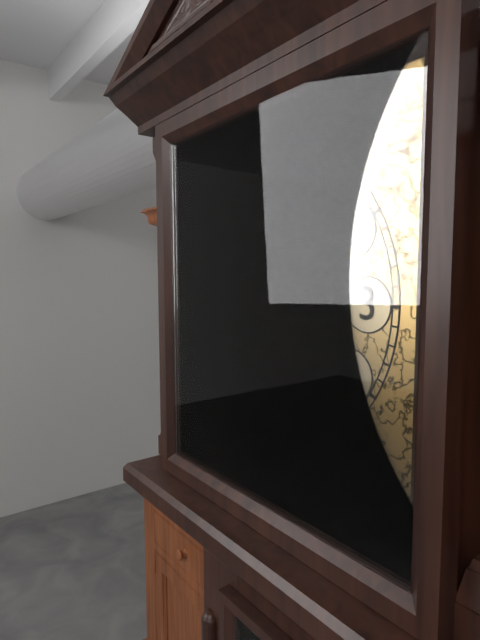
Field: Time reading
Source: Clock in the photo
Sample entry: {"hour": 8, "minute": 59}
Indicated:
{"hour": 8, "minute": 0}
